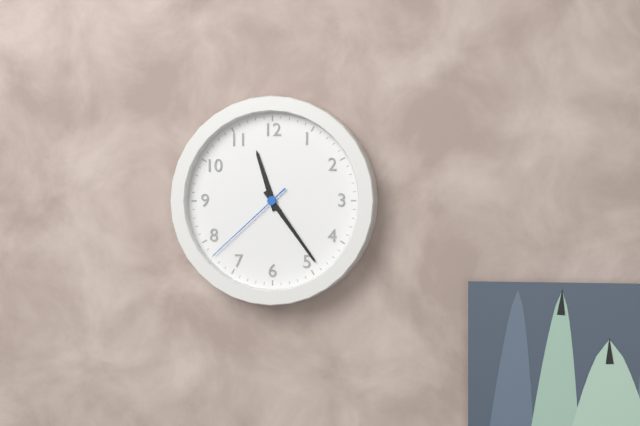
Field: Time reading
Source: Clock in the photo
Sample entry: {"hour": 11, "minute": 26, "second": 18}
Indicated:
{"hour": 11, "minute": 24, "second": 38}
